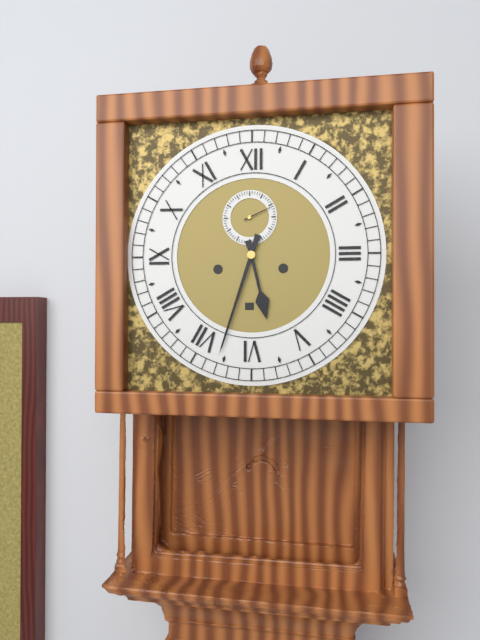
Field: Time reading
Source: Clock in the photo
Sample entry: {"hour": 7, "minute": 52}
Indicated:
{"hour": 5, "minute": 33}
